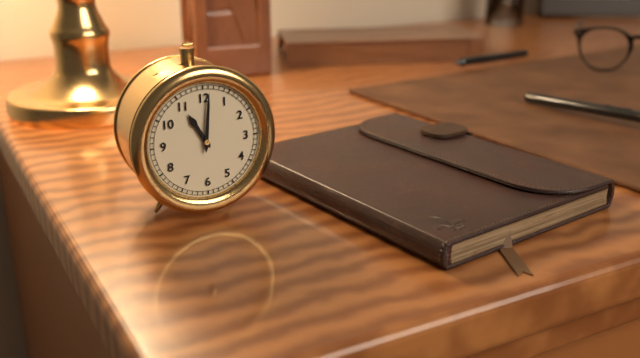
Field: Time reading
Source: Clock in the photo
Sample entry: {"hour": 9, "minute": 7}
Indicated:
{"hour": 11, "minute": 1}
